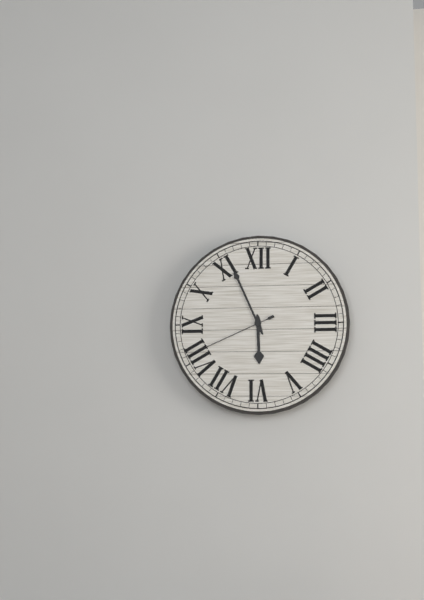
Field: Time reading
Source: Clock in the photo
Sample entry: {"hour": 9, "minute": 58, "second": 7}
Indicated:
{"hour": 5, "minute": 56, "second": 41}
